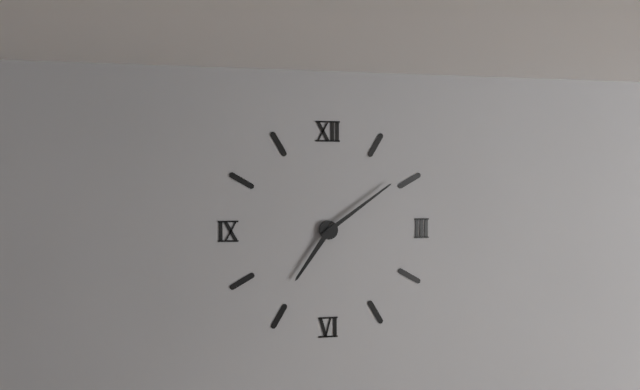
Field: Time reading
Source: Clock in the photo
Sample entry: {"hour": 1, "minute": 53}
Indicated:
{"hour": 7, "minute": 9}
